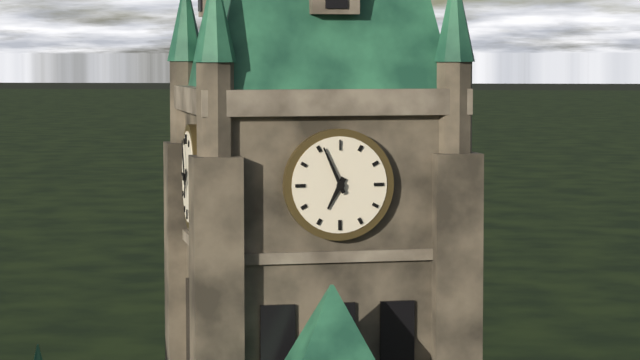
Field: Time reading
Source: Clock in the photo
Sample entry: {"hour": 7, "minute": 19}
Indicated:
{"hour": 6, "minute": 56}
